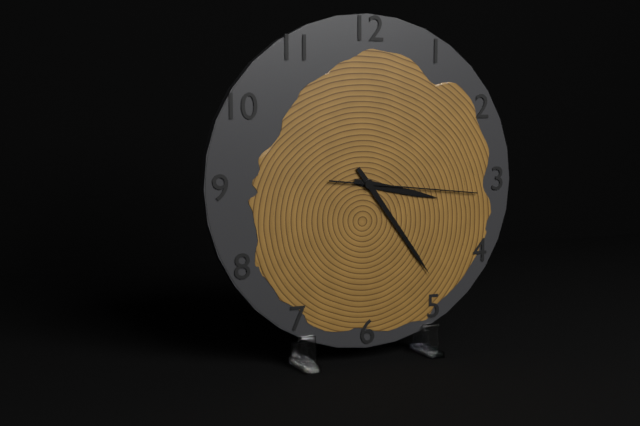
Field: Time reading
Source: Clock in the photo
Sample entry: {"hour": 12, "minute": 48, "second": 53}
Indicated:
{"hour": 3, "minute": 24, "second": 16}
